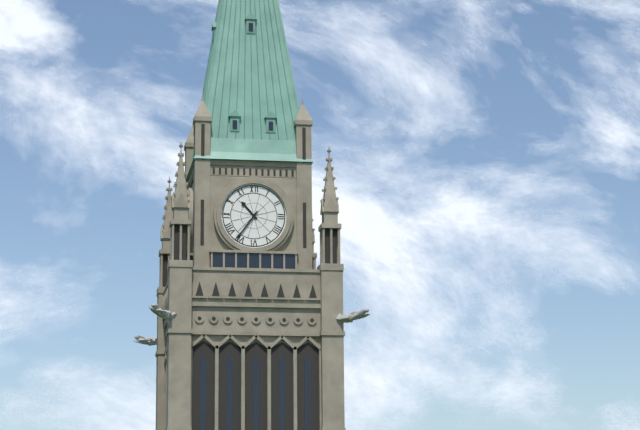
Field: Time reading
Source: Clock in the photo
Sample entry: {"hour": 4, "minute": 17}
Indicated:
{"hour": 10, "minute": 36}
